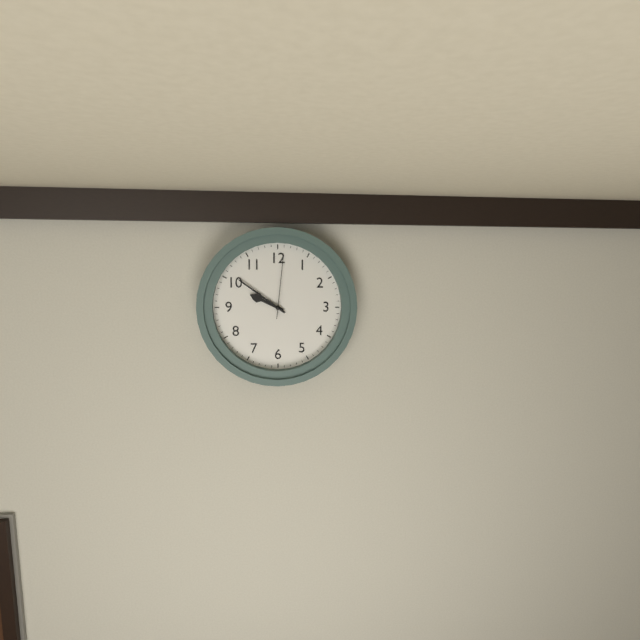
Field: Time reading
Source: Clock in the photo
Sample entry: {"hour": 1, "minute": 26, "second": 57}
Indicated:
{"hour": 9, "minute": 51, "second": 1}
